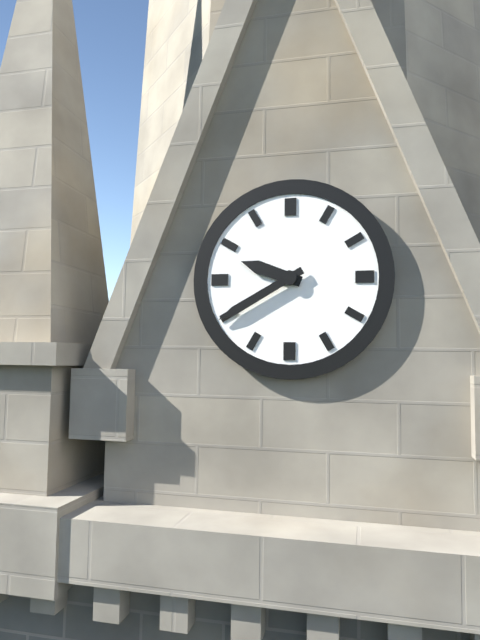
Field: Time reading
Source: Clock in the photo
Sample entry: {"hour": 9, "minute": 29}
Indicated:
{"hour": 9, "minute": 40}
